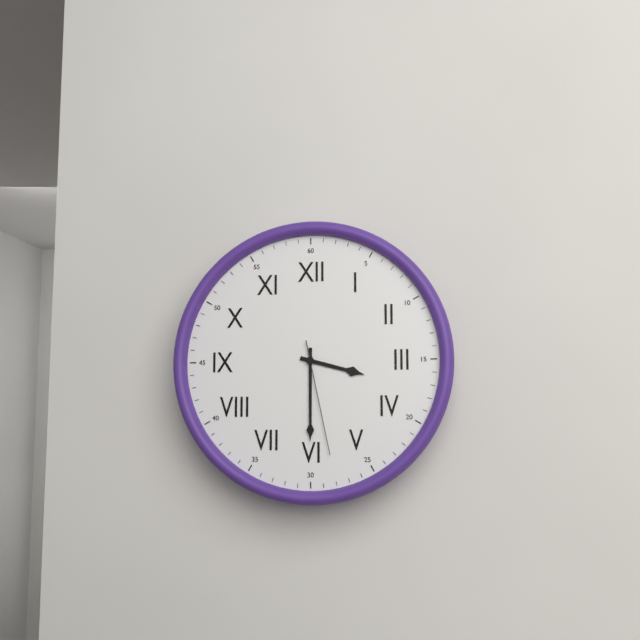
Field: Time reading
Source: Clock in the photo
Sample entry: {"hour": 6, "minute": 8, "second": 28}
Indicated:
{"hour": 3, "minute": 30, "second": 28}
